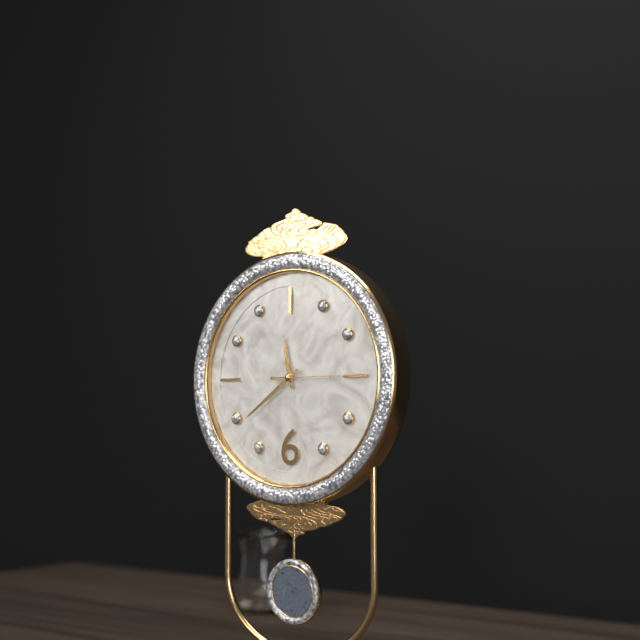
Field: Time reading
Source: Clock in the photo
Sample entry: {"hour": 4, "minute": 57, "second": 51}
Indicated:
{"hour": 11, "minute": 39, "second": 15}
